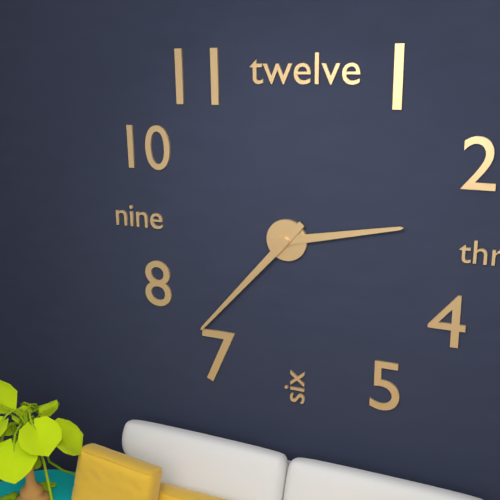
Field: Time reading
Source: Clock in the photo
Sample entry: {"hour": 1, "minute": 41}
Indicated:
{"hour": 2, "minute": 37}
